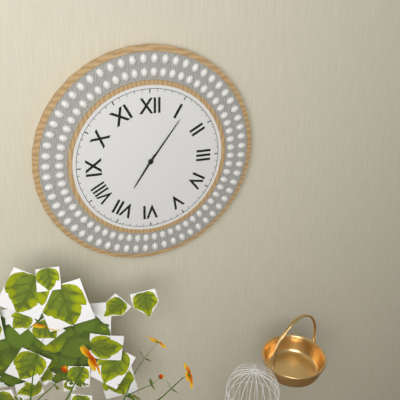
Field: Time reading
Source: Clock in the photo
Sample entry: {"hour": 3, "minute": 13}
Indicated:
{"hour": 7, "minute": 6}
